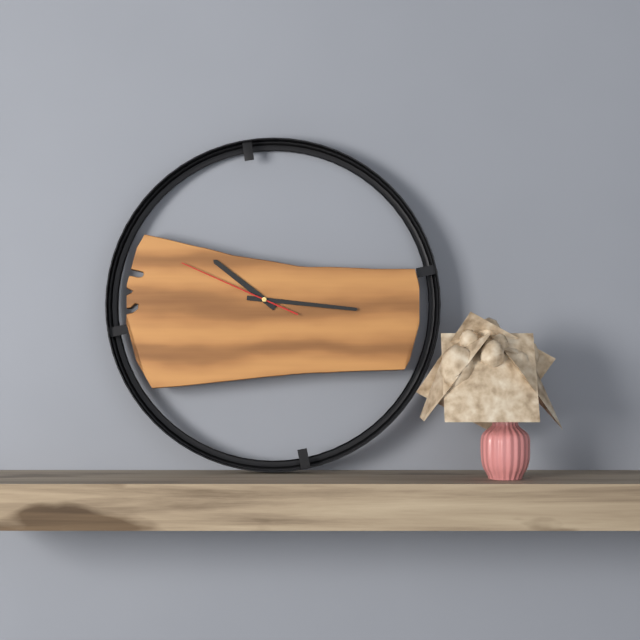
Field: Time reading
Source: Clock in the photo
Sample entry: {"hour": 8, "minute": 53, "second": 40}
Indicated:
{"hour": 10, "minute": 16, "second": 49}
